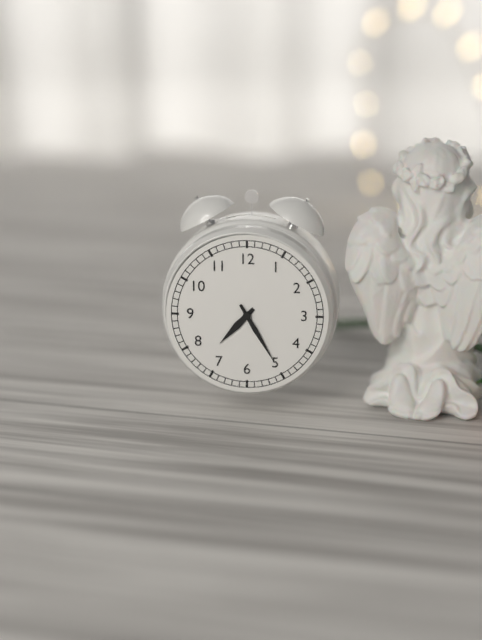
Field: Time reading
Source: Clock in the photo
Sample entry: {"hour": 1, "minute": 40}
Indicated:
{"hour": 7, "minute": 25}
